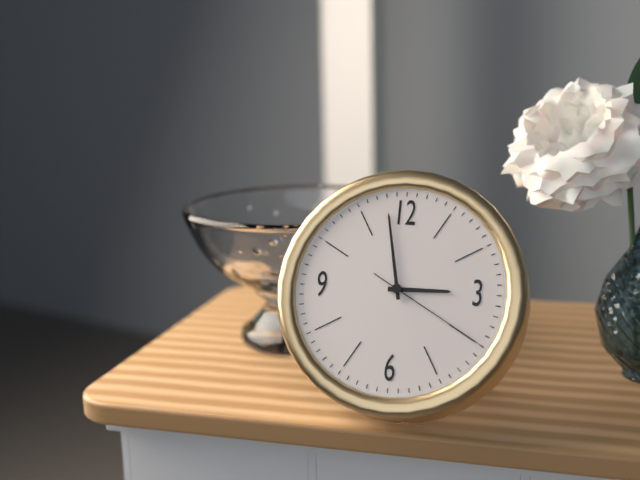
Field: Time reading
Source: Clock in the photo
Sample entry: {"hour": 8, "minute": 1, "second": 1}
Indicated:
{"hour": 2, "minute": 58, "second": 20}
